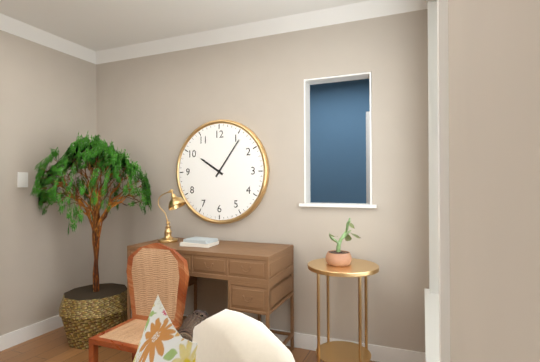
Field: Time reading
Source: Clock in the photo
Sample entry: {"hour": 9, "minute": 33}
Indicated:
{"hour": 10, "minute": 6}
